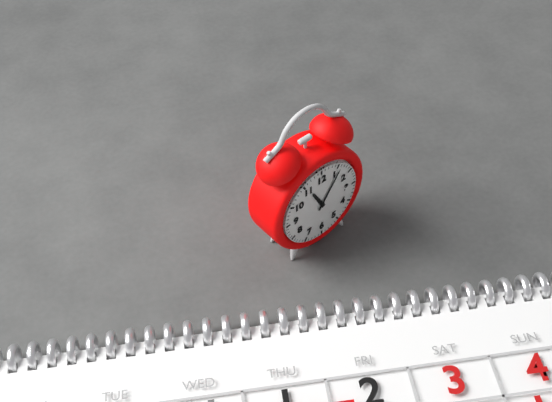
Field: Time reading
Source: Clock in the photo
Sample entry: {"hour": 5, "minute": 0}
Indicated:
{"hour": 11, "minute": 6}
